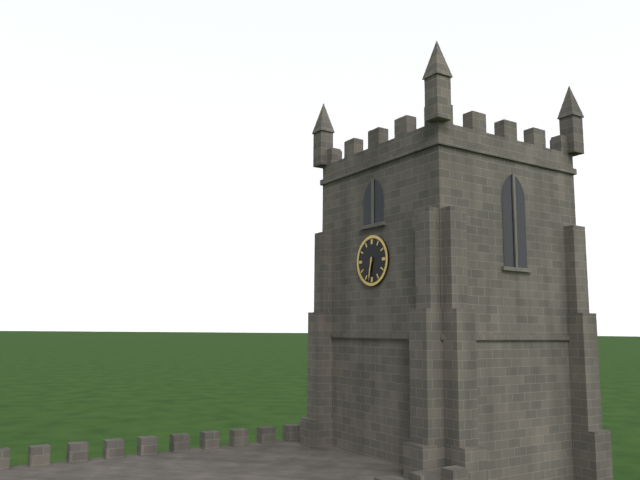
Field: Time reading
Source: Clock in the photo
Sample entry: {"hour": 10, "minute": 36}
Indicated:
{"hour": 6, "minute": 32}
